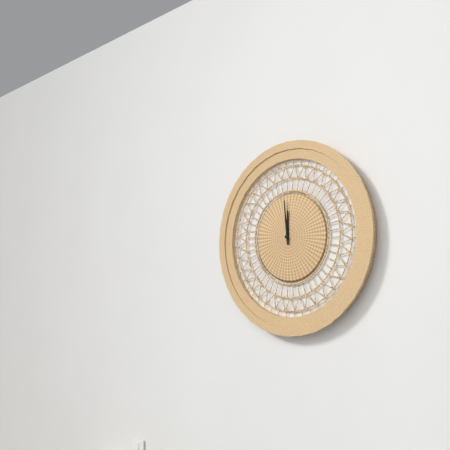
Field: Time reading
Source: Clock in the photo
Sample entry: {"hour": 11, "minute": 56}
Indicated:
{"hour": 11, "minute": 59}
